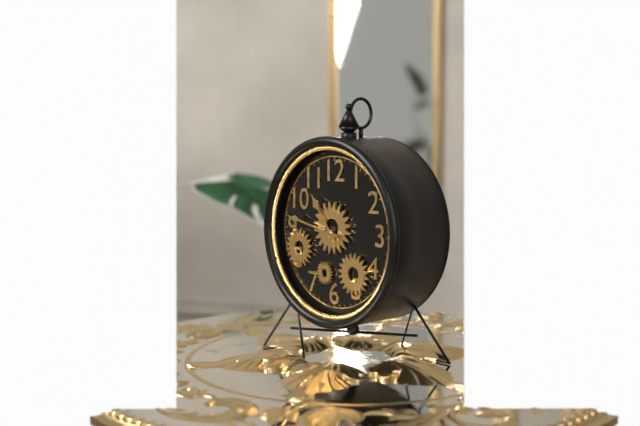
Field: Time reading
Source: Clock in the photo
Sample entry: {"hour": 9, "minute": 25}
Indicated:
{"hour": 10, "minute": 47}
